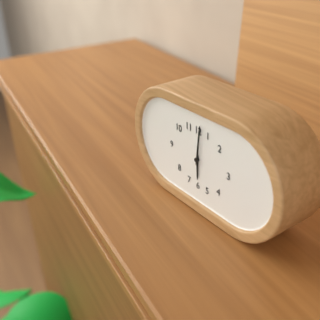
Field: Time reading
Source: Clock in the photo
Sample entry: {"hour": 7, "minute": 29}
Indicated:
{"hour": 6, "minute": 1}
